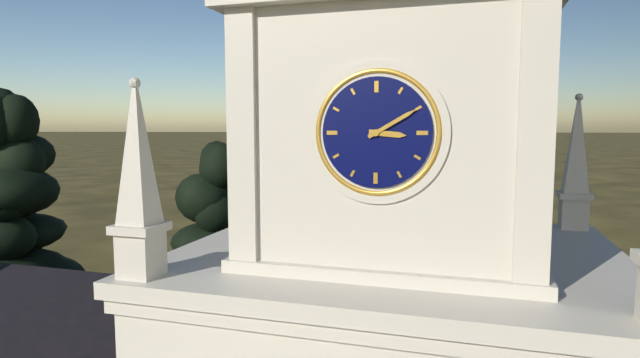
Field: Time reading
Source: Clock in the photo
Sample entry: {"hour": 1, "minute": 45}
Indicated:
{"hour": 3, "minute": 10}
